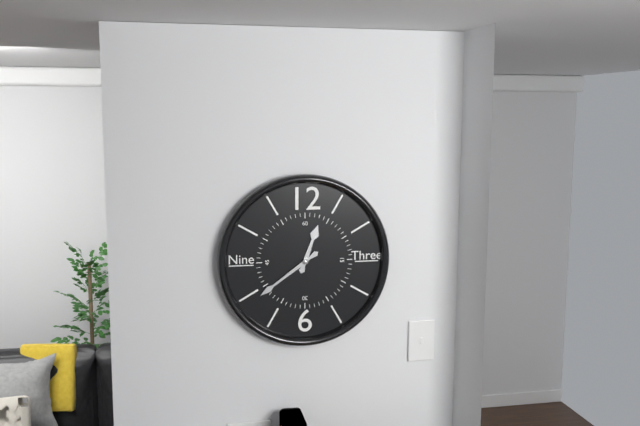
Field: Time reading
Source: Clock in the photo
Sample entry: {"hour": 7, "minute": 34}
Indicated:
{"hour": 12, "minute": 39}
